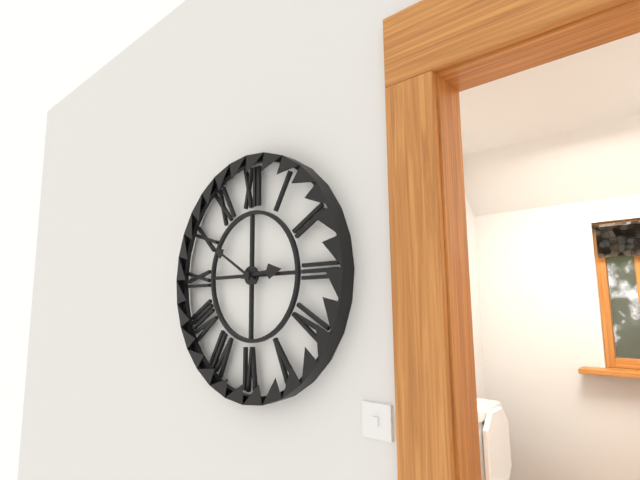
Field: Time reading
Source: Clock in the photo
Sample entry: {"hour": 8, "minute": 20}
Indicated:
{"hour": 2, "minute": 50}
